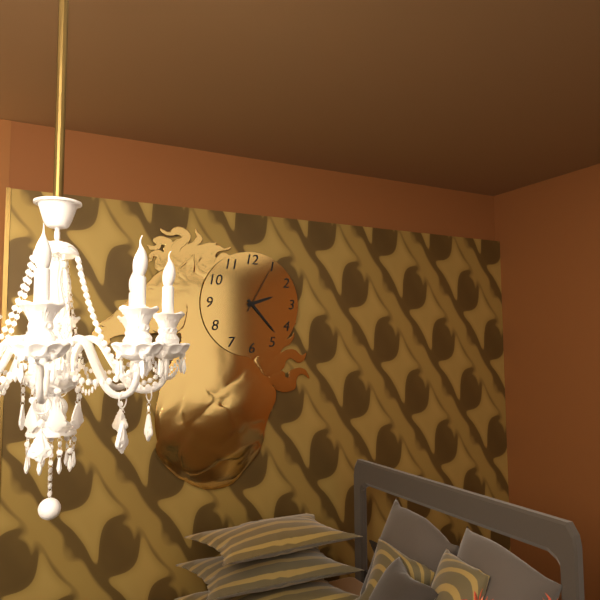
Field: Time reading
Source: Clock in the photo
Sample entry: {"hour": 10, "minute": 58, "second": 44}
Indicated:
{"hour": 2, "minute": 23, "second": 5}
